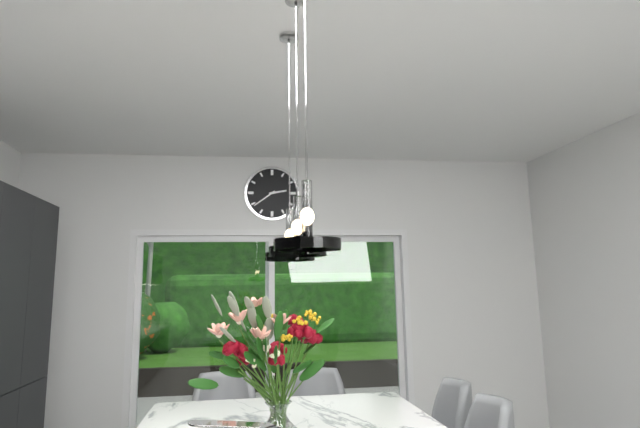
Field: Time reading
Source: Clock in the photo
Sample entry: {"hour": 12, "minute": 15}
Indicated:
{"hour": 2, "minute": 39}
